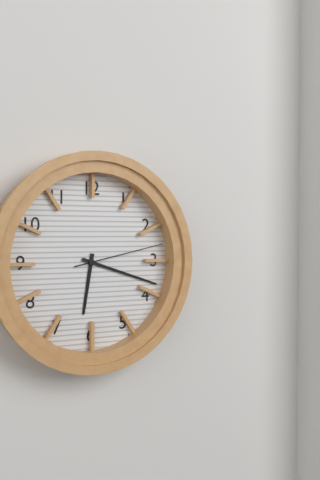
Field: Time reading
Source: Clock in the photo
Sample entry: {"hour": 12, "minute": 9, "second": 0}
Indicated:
{"hour": 6, "minute": 18, "second": 13}
